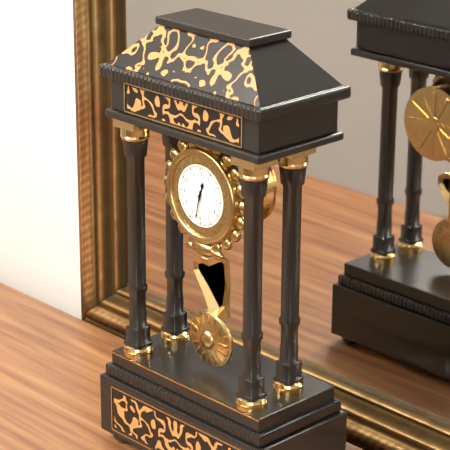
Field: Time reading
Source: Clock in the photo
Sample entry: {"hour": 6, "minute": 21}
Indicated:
{"hour": 12, "minute": 32}
